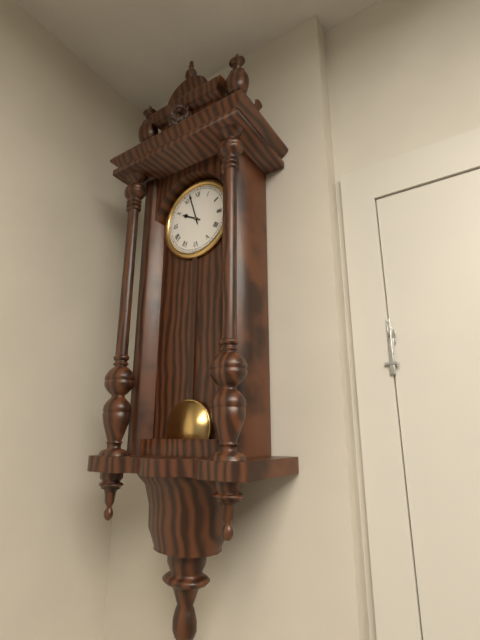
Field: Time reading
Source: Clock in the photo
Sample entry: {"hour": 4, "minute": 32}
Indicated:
{"hour": 9, "minute": 57}
